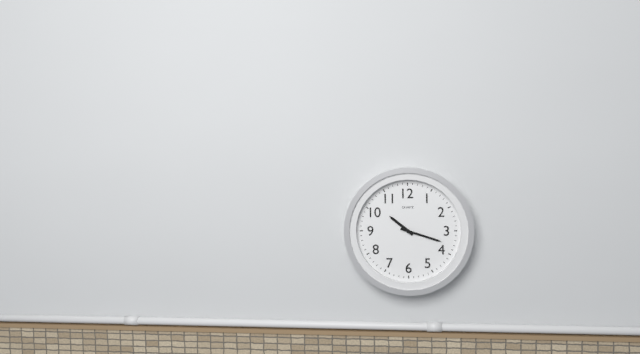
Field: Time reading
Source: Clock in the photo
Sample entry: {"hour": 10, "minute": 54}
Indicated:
{"hour": 10, "minute": 18}
